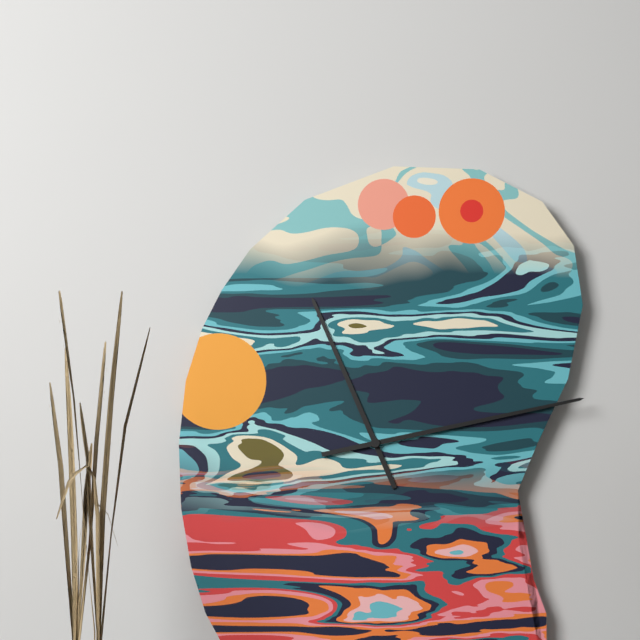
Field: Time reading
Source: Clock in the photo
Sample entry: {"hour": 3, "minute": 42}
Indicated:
{"hour": 11, "minute": 13}
